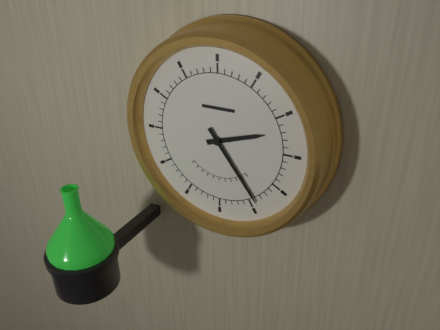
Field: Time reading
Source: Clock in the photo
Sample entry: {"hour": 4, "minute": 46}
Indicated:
{"hour": 2, "minute": 24}
